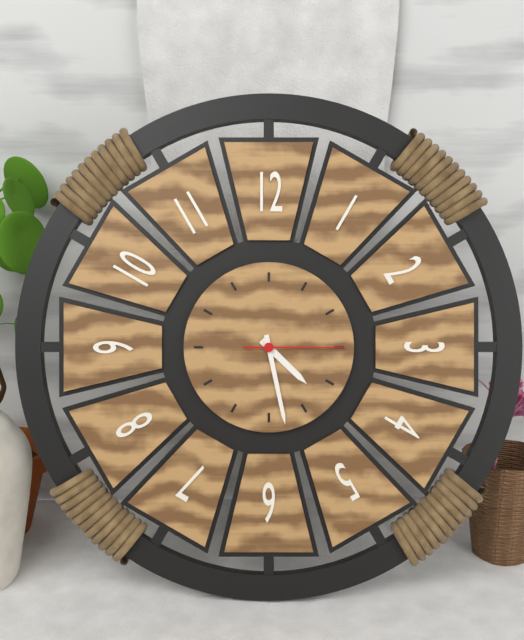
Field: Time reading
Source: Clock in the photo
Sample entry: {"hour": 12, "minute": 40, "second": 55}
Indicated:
{"hour": 4, "minute": 28, "second": 15}
